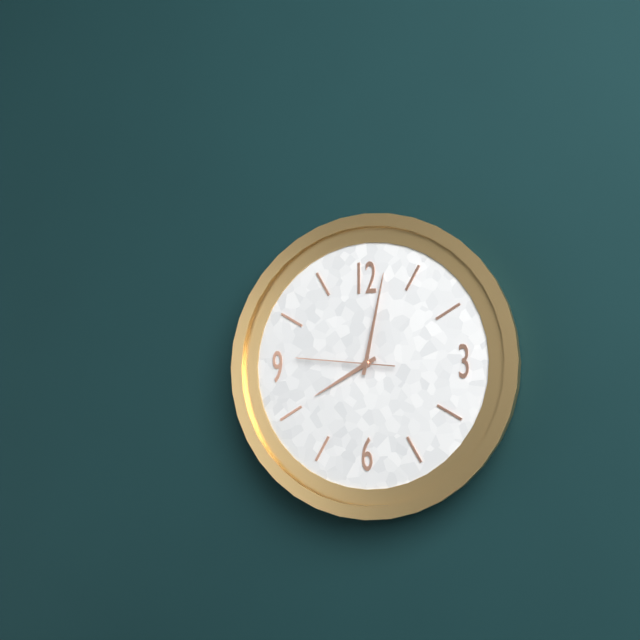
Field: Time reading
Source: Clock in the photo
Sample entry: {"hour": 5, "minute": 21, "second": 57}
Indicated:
{"hour": 8, "minute": 2, "second": 46}
